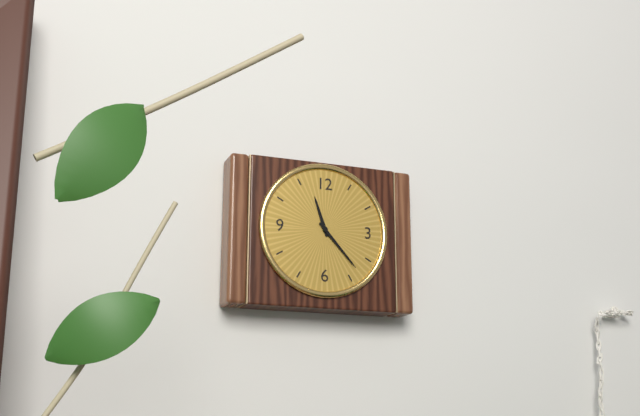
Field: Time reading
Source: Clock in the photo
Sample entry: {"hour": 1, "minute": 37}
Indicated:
{"hour": 11, "minute": 23}
